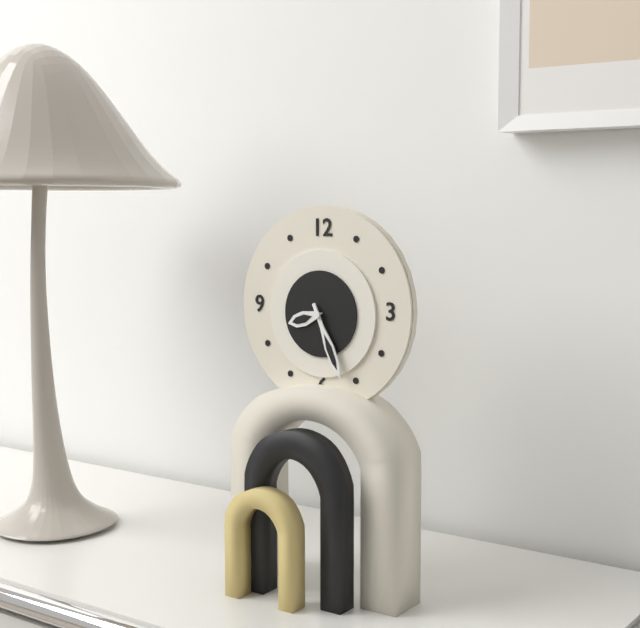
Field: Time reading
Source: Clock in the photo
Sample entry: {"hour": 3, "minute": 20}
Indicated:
{"hour": 8, "minute": 26}
